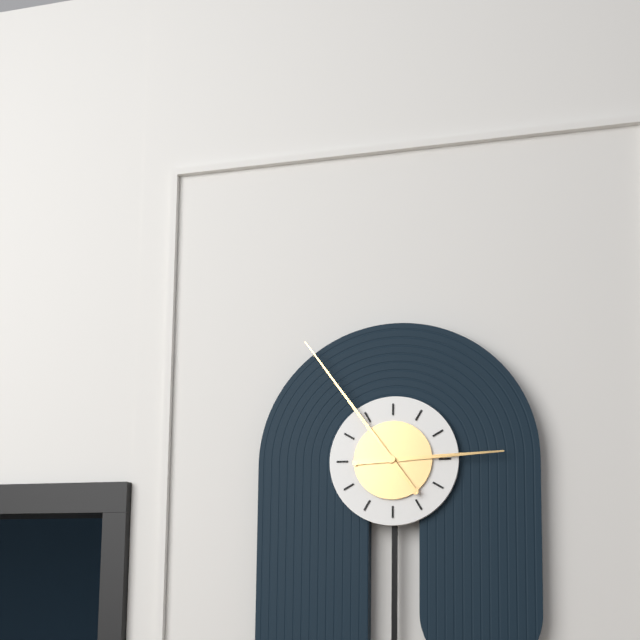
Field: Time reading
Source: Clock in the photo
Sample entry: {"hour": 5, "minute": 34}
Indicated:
{"hour": 2, "minute": 54}
